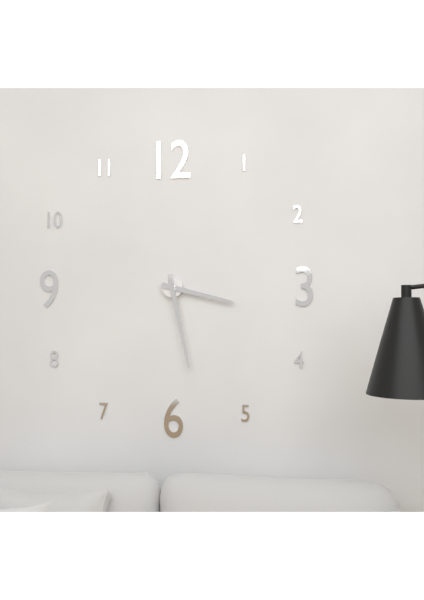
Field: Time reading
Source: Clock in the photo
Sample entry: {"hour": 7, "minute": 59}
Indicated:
{"hour": 3, "minute": 28}
